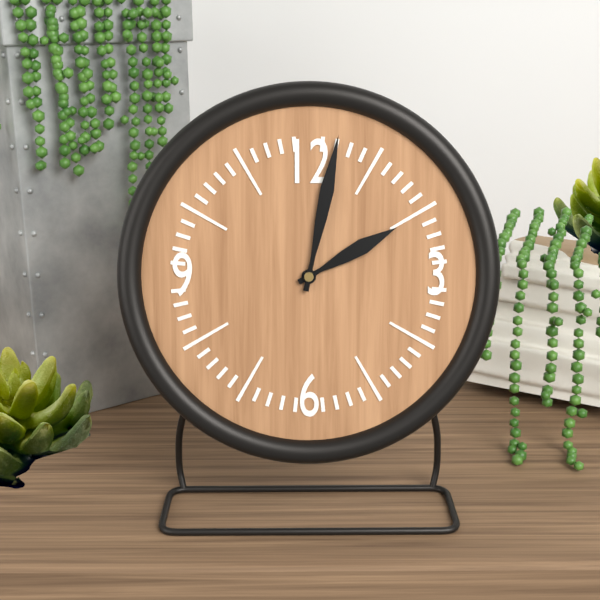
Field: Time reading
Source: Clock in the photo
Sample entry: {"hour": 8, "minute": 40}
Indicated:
{"hour": 2, "minute": 2}
